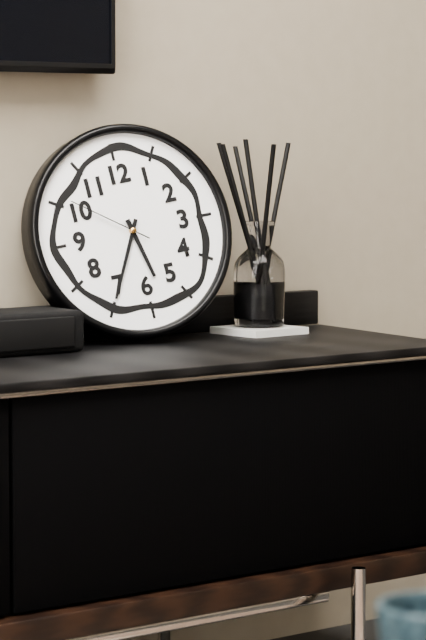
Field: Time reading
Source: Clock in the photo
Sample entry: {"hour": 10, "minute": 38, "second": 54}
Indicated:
{"hour": 5, "minute": 35, "second": 51}
